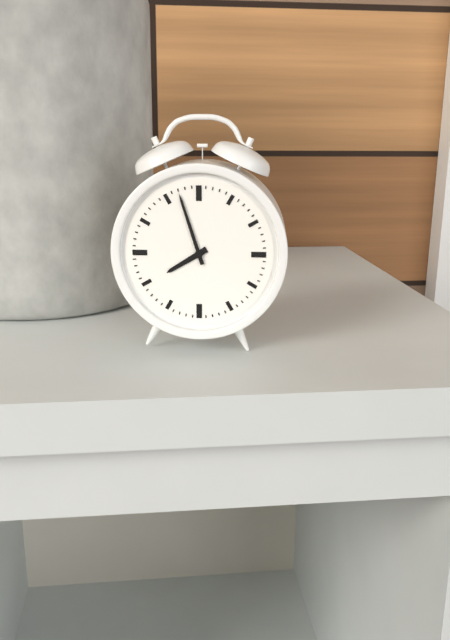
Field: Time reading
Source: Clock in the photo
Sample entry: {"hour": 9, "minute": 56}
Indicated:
{"hour": 7, "minute": 57}
